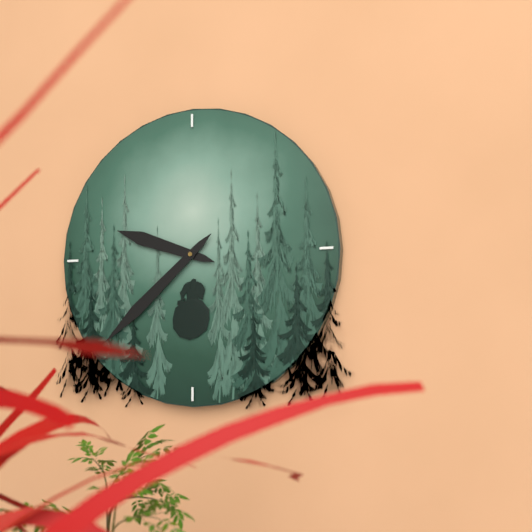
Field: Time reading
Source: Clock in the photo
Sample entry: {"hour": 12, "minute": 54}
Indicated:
{"hour": 9, "minute": 38}
